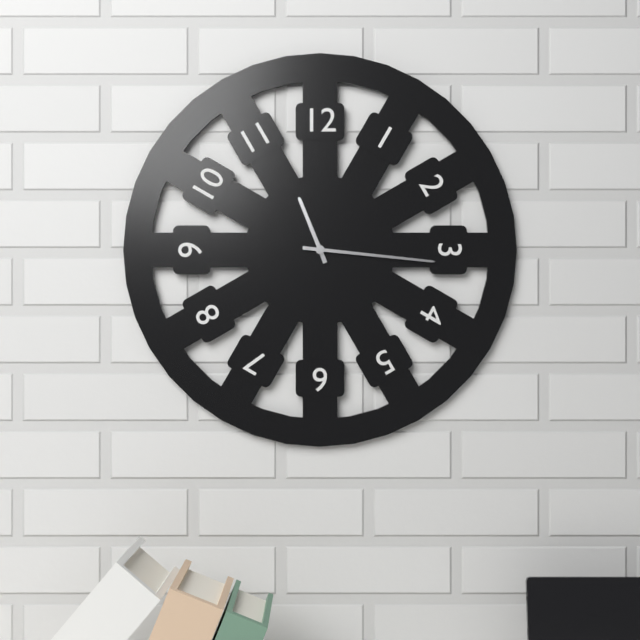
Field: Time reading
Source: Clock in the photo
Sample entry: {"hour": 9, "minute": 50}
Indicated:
{"hour": 11, "minute": 16}
